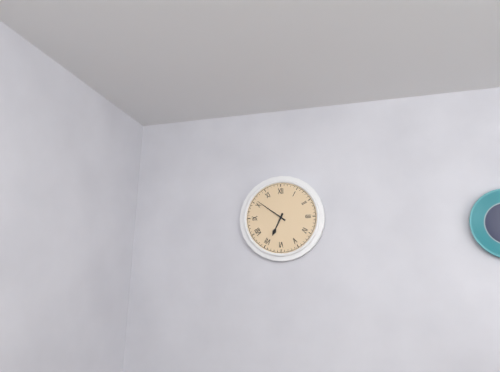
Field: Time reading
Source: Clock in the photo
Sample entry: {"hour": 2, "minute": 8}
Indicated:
{"hour": 6, "minute": 51}
